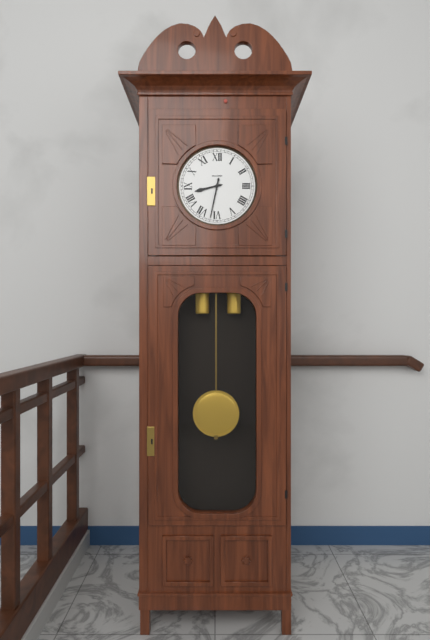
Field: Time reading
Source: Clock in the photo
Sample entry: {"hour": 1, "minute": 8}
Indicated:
{"hour": 8, "minute": 32}
